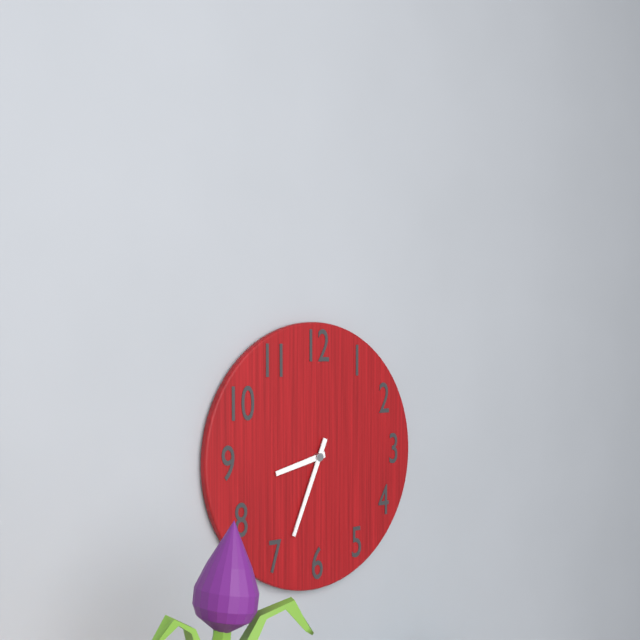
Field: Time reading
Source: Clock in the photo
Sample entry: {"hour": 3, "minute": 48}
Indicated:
{"hour": 8, "minute": 34}
